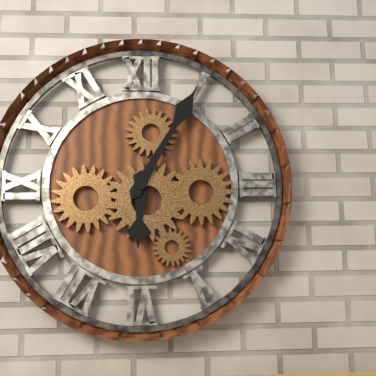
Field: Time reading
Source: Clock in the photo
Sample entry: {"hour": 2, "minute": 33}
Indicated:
{"hour": 6, "minute": 5}
